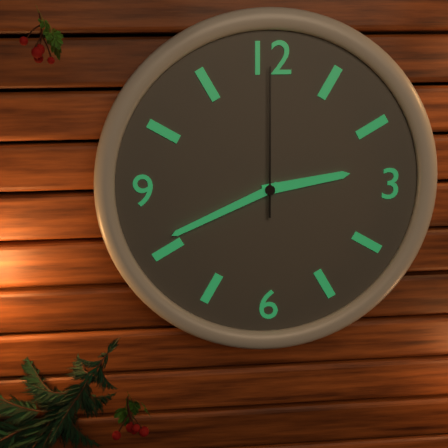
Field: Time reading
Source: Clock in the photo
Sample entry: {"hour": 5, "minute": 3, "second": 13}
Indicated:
{"hour": 2, "minute": 41, "second": 0}
